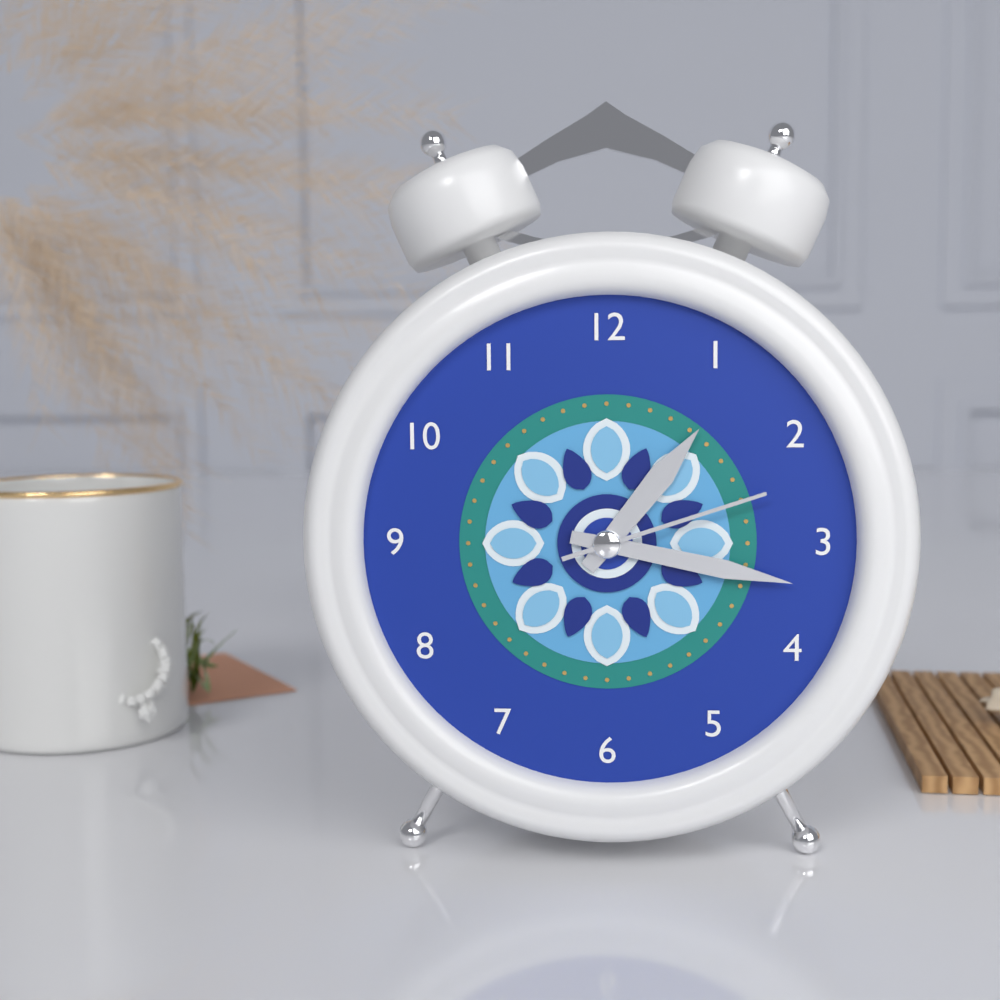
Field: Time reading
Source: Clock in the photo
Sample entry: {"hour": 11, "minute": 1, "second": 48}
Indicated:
{"hour": 1, "minute": 17, "second": 12}
